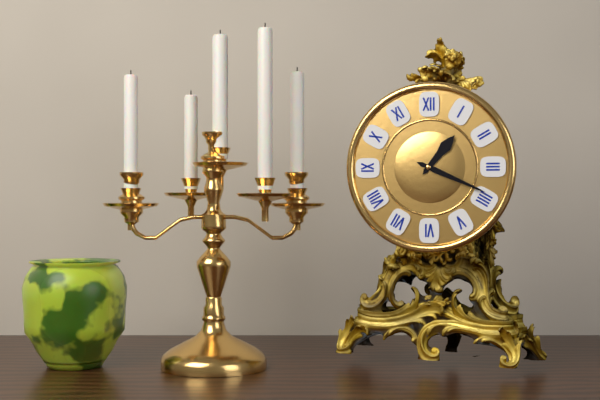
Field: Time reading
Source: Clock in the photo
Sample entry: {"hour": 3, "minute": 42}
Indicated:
{"hour": 1, "minute": 19}
